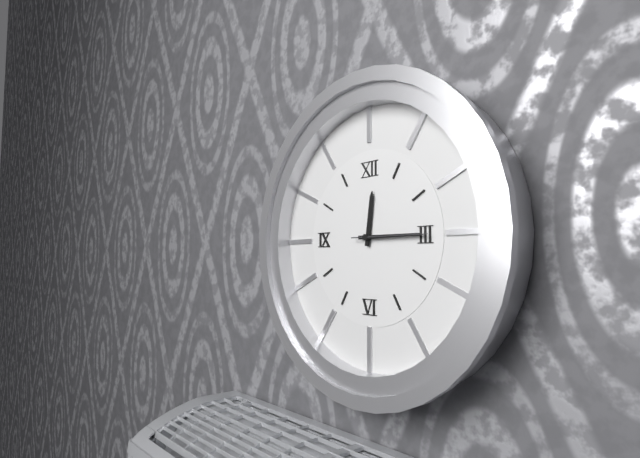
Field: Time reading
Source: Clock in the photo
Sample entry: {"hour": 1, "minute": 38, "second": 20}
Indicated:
{"hour": 12, "minute": 15, "second": 15}
